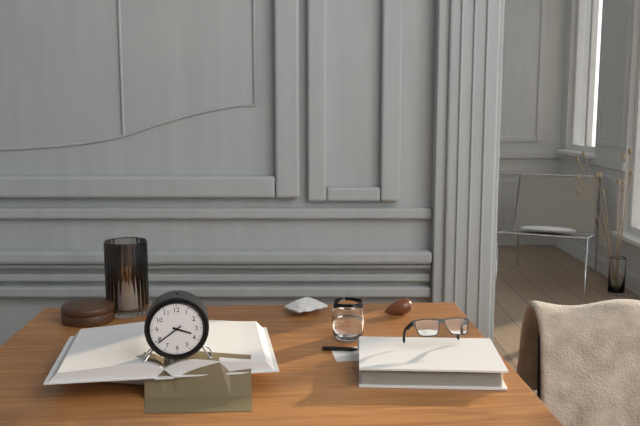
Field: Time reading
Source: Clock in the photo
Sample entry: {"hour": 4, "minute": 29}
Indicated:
{"hour": 3, "minute": 39}
